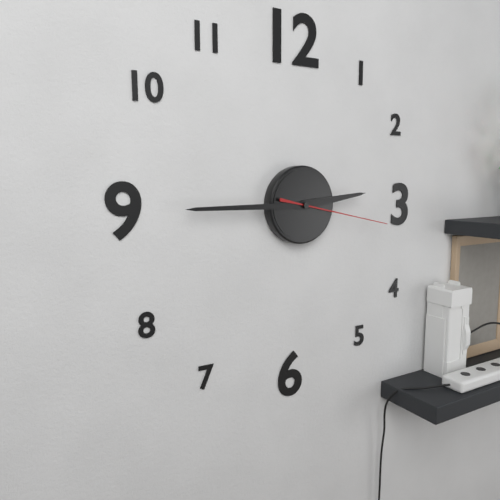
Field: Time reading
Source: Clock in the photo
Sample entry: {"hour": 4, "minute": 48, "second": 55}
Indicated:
{"hour": 2, "minute": 45, "second": 17}
